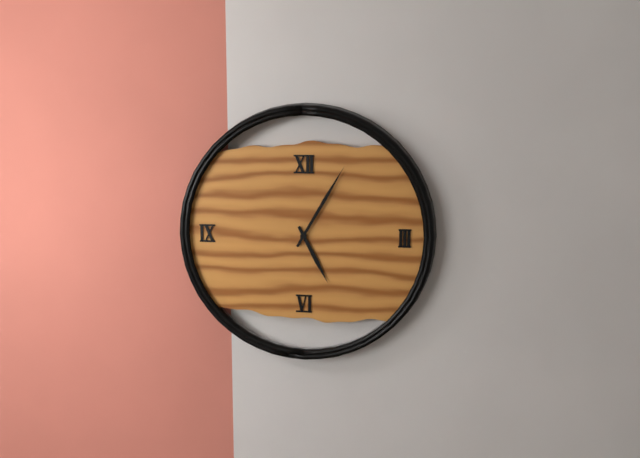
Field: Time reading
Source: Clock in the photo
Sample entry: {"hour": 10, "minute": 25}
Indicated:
{"hour": 5, "minute": 5}
